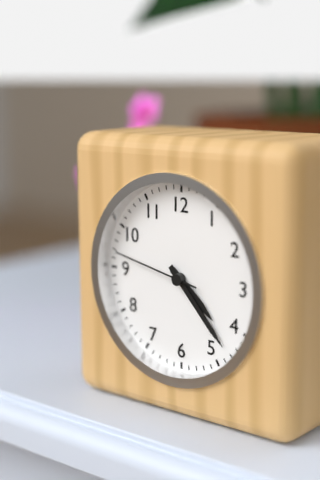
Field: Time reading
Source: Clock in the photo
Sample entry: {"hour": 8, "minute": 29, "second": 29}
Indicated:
{"hour": 4, "minute": 23, "second": 47}
